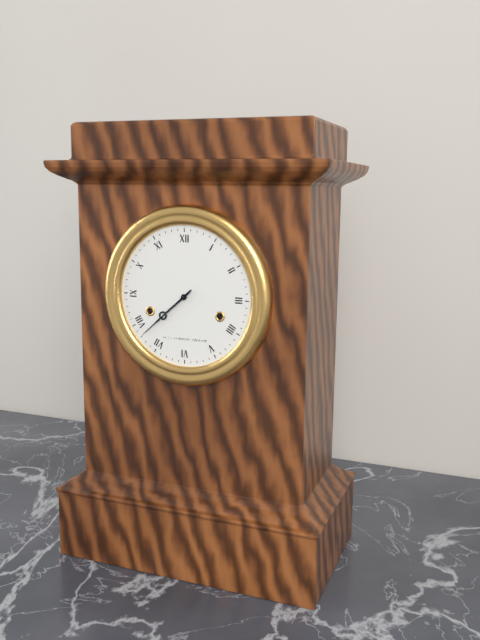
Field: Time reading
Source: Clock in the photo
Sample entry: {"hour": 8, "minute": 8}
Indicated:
{"hour": 7, "minute": 38}
